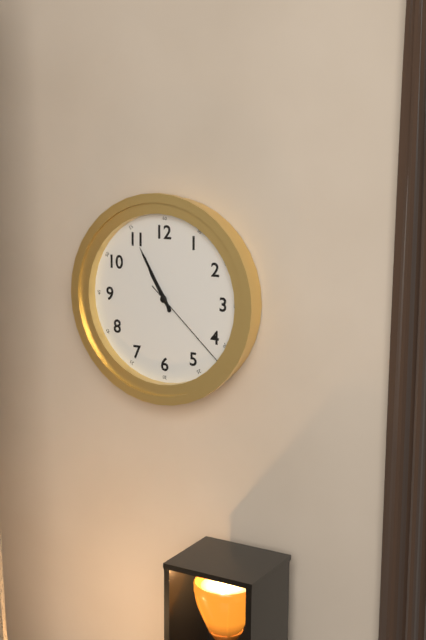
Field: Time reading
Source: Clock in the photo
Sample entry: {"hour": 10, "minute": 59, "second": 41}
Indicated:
{"hour": 10, "minute": 55, "second": 22}
